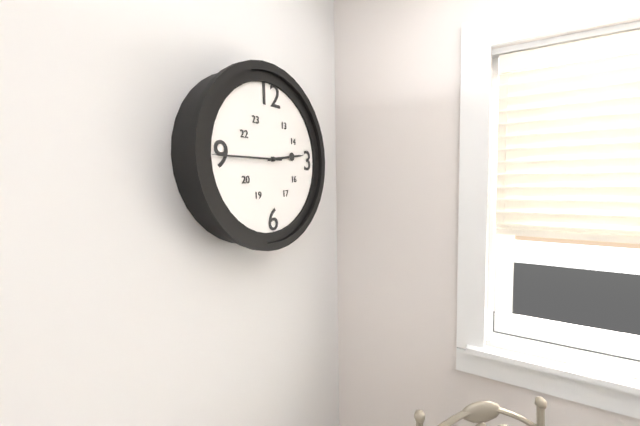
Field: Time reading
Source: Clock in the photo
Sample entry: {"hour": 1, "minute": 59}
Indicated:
{"hour": 2, "minute": 45}
